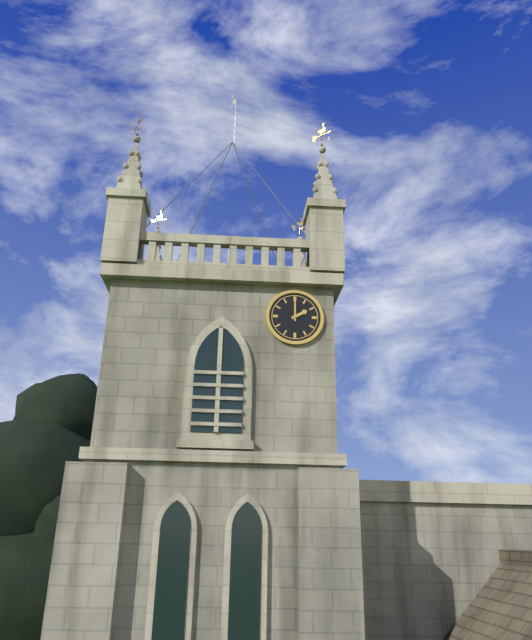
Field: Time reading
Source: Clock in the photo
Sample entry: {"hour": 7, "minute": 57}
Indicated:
{"hour": 2, "minute": 0}
